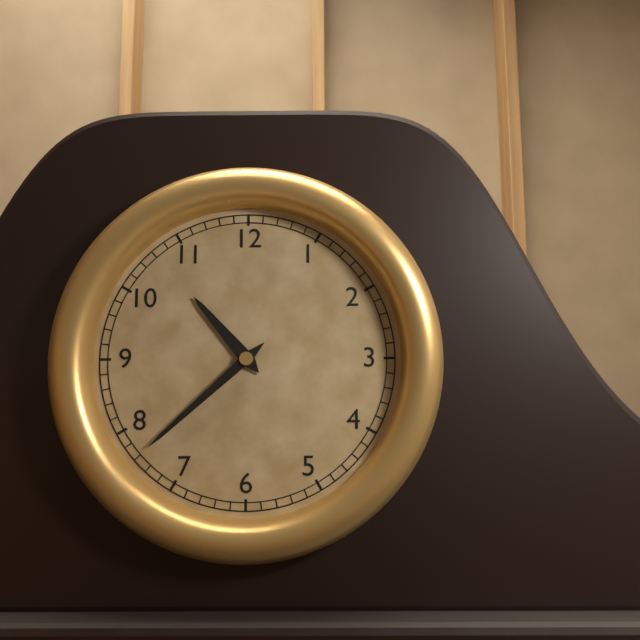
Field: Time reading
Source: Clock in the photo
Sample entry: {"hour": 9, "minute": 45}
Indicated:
{"hour": 10, "minute": 38}
